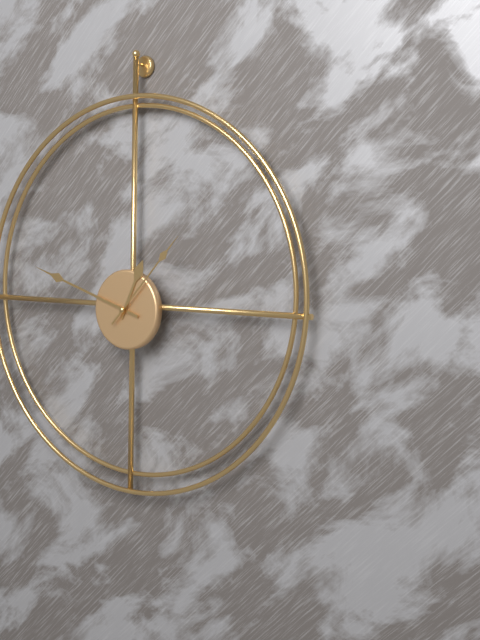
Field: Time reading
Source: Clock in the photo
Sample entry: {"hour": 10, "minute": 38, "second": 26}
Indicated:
{"hour": 12, "minute": 48, "second": 7}
